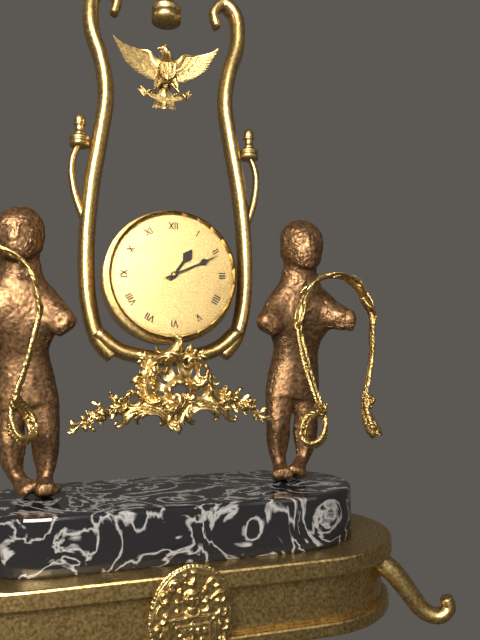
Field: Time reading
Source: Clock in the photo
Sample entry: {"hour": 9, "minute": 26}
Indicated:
{"hour": 1, "minute": 11}
